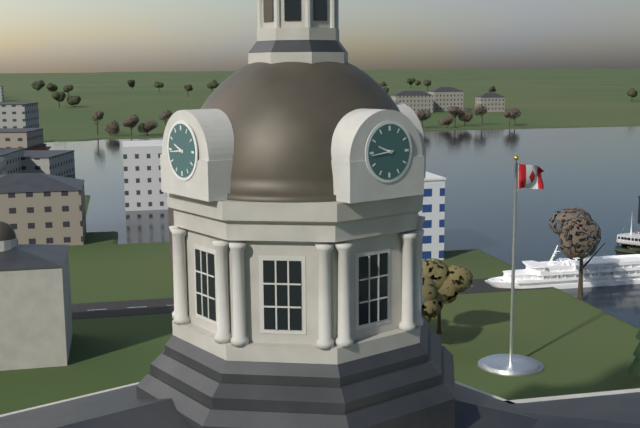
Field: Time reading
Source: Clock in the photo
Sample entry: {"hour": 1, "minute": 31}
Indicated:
{"hour": 9, "minute": 44}
